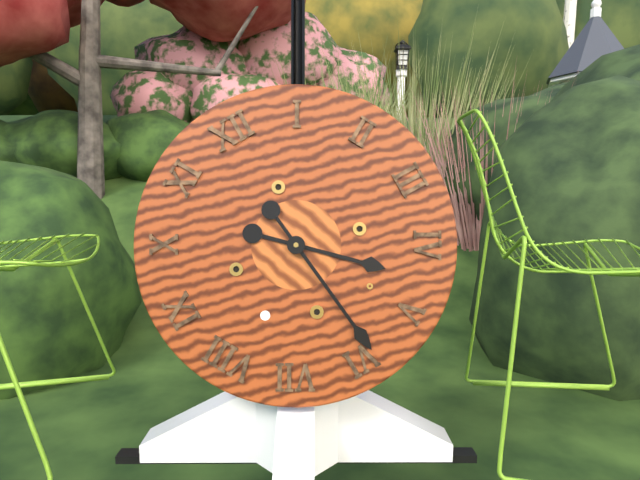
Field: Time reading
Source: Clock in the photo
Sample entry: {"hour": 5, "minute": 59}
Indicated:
{"hour": 4, "minute": 29}
